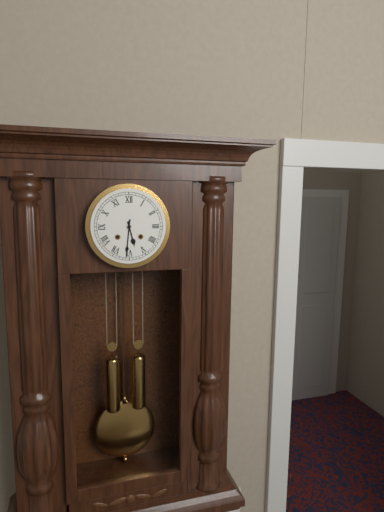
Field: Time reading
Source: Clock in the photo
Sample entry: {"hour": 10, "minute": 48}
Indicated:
{"hour": 5, "minute": 31}
